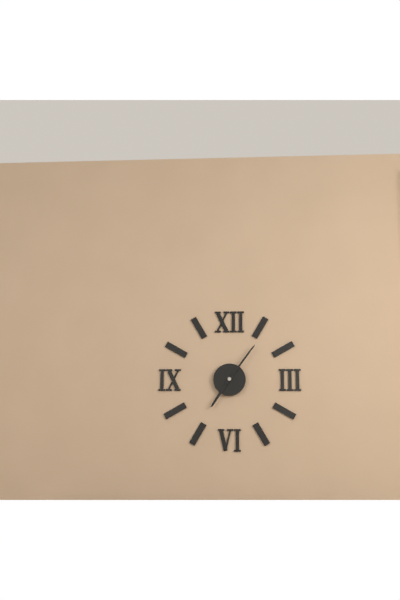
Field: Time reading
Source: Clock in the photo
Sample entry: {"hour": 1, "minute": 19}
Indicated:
{"hour": 7, "minute": 6}
